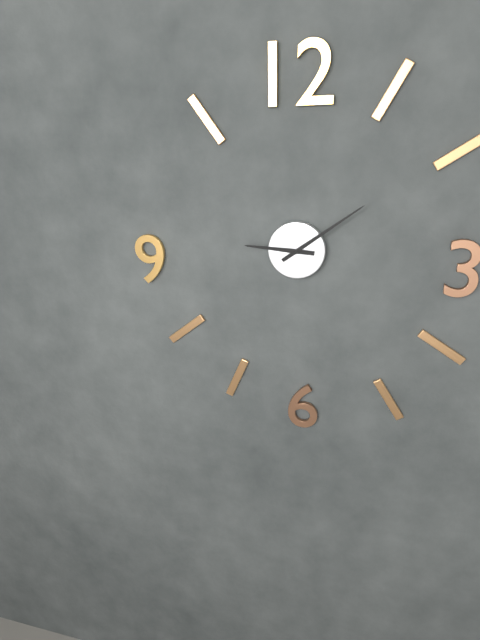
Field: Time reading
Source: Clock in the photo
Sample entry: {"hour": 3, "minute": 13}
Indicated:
{"hour": 9, "minute": 9}
